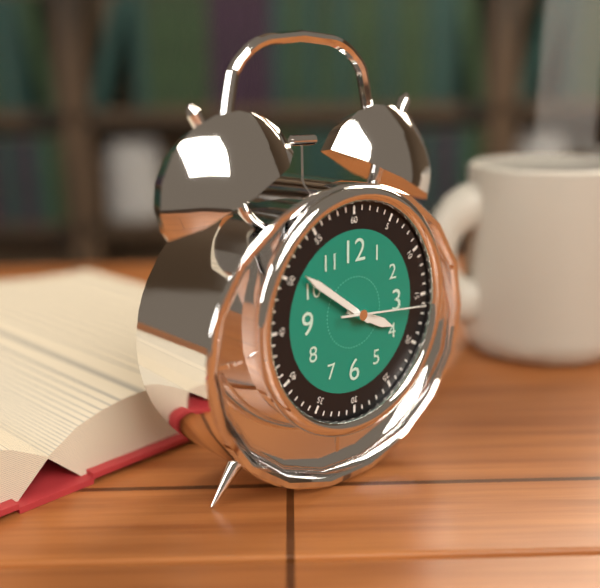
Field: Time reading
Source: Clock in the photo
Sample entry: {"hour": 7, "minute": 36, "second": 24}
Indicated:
{"hour": 3, "minute": 51, "second": 16}
